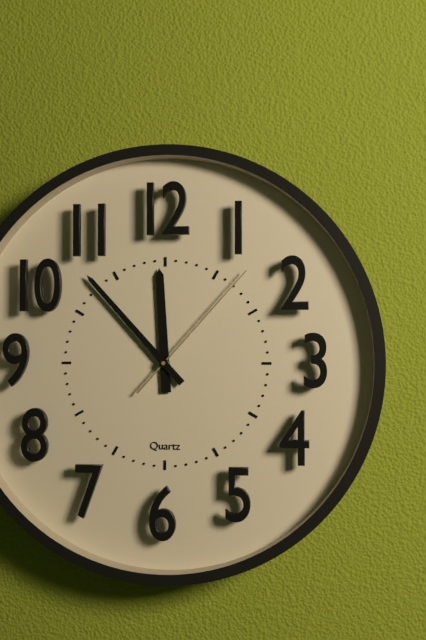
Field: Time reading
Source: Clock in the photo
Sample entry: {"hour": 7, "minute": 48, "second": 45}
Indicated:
{"hour": 11, "minute": 53, "second": 7}
